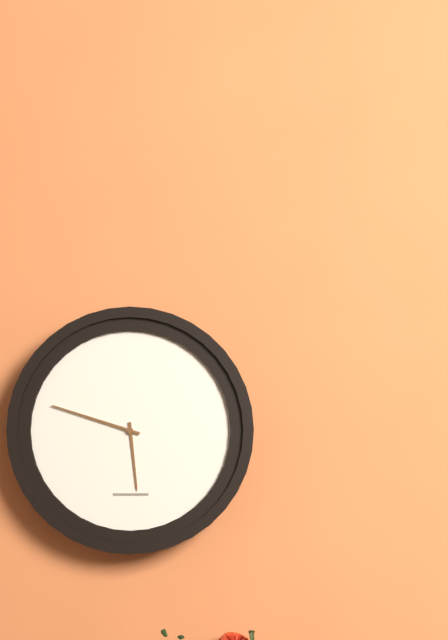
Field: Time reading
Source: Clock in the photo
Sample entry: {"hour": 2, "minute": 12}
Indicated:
{"hour": 5, "minute": 48}
